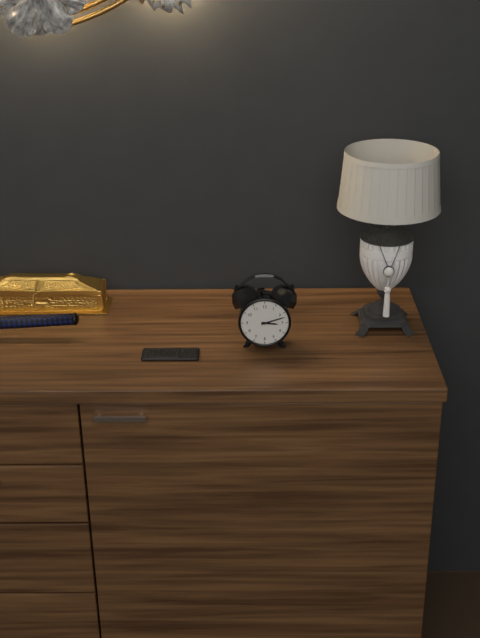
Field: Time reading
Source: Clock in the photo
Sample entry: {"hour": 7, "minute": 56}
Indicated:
{"hour": 3, "minute": 12}
